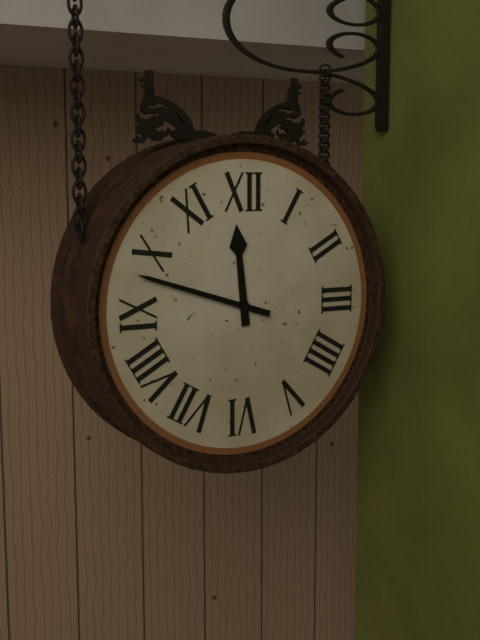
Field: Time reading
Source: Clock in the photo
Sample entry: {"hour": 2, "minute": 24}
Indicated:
{"hour": 11, "minute": 48}
